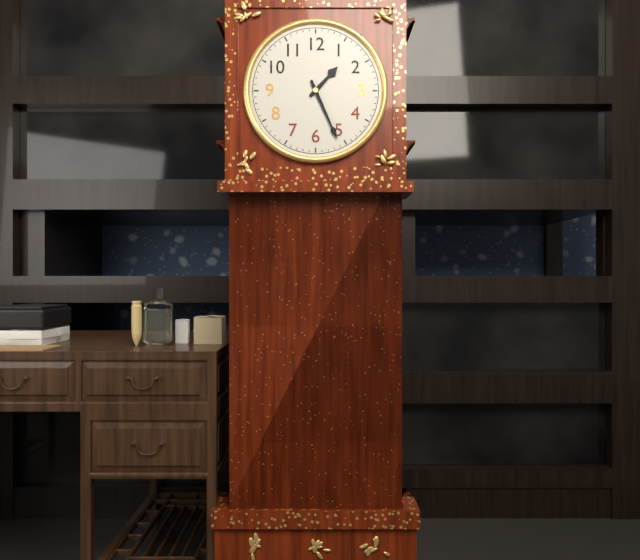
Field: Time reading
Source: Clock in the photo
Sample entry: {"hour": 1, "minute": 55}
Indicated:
{"hour": 1, "minute": 26}
